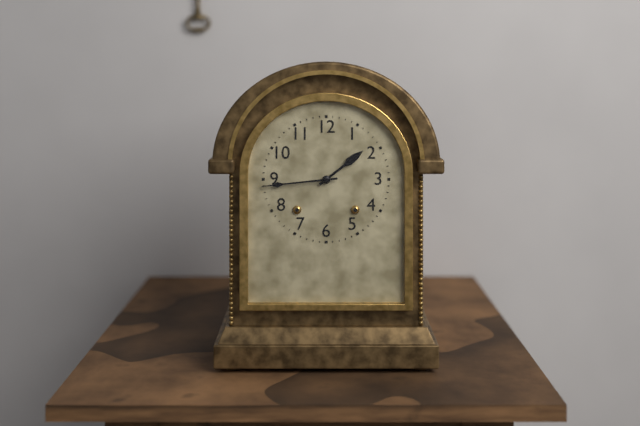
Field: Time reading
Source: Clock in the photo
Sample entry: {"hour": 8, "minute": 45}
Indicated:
{"hour": 1, "minute": 44}
